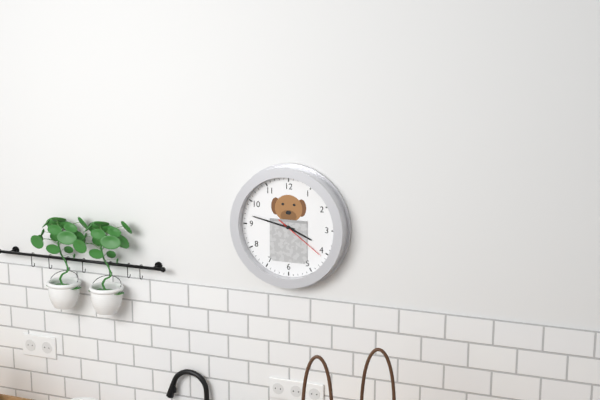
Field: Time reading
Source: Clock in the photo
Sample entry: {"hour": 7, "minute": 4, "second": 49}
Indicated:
{"hour": 3, "minute": 47, "second": 21}
